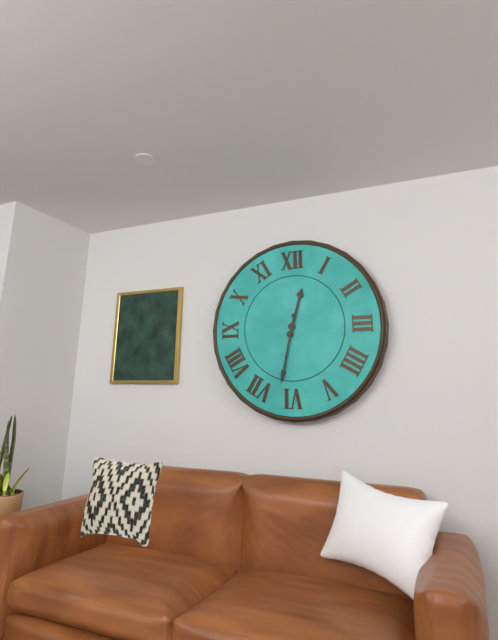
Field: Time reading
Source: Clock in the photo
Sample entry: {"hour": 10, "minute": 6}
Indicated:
{"hour": 12, "minute": 32}
